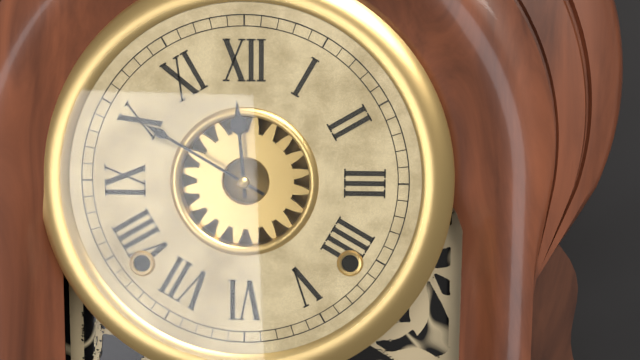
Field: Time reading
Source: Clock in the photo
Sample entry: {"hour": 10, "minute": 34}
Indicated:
{"hour": 11, "minute": 50}
